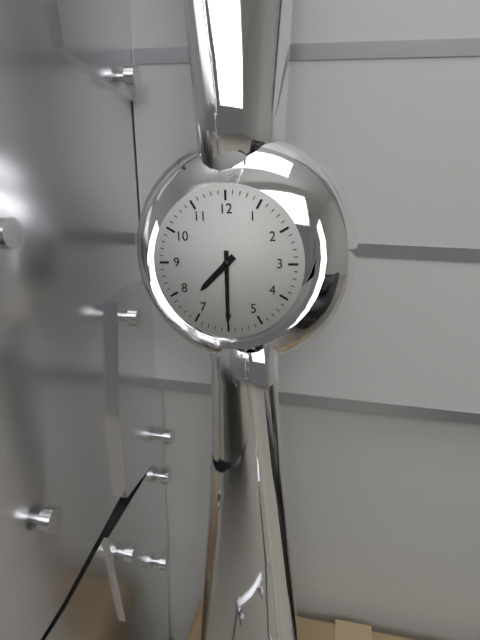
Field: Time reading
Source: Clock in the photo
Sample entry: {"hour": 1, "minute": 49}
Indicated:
{"hour": 7, "minute": 30}
